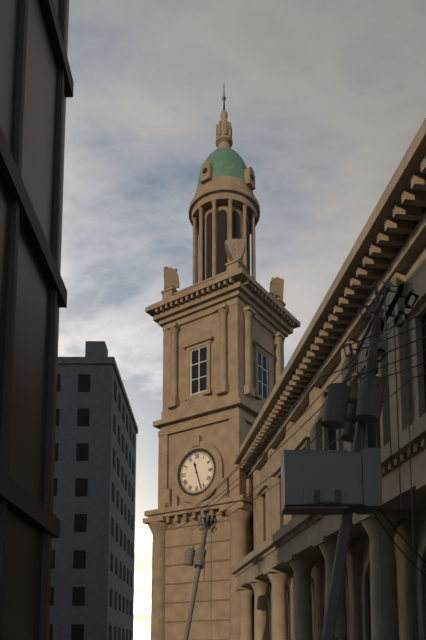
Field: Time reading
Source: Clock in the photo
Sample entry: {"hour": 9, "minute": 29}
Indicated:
{"hour": 11, "minute": 27}
